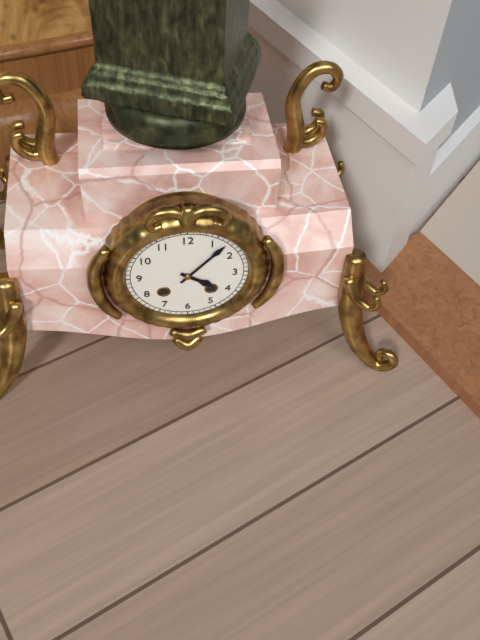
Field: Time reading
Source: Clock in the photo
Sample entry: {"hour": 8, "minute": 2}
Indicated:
{"hour": 4, "minute": 7}
